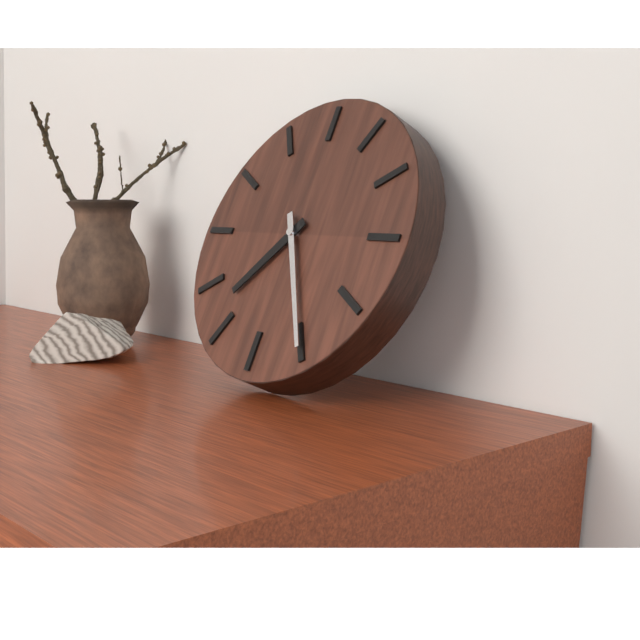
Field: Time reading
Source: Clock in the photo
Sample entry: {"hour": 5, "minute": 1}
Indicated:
{"hour": 7, "minute": 25}
